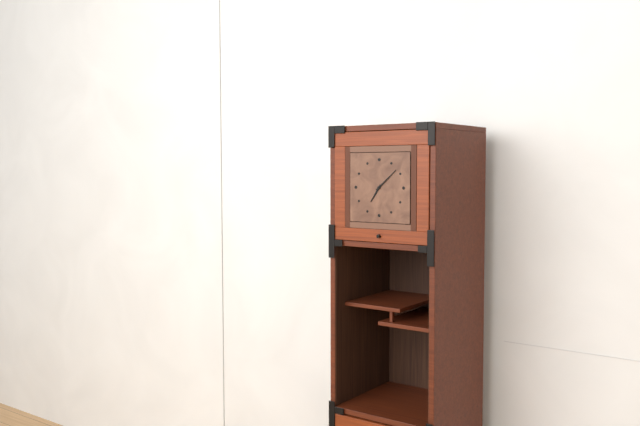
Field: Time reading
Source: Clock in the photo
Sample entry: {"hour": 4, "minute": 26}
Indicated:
{"hour": 7, "minute": 8}
